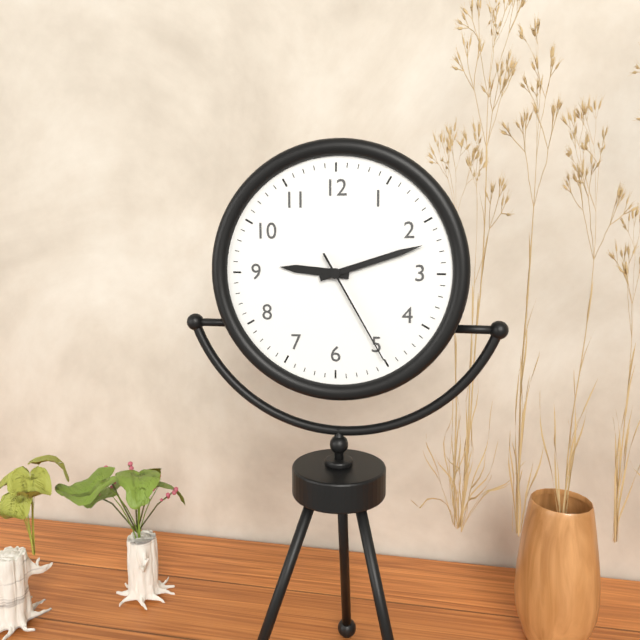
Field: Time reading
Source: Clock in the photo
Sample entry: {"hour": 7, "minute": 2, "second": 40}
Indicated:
{"hour": 9, "minute": 12, "second": 25}
